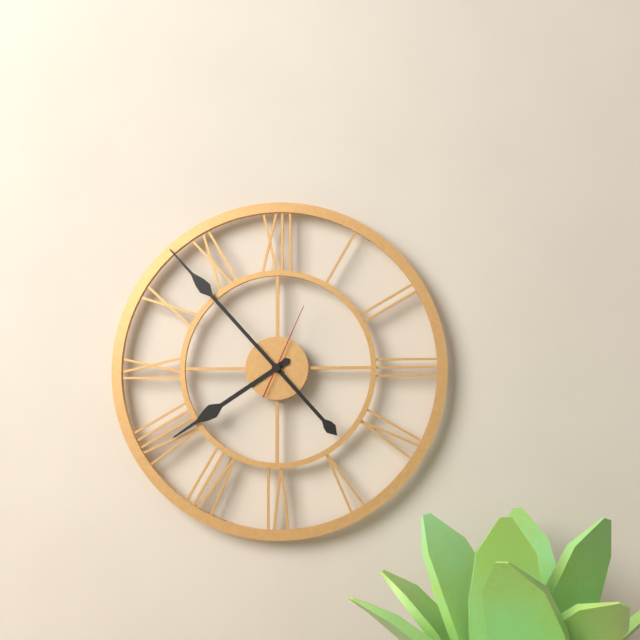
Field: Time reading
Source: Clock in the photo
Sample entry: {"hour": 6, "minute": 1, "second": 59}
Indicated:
{"hour": 7, "minute": 53, "second": 4}
